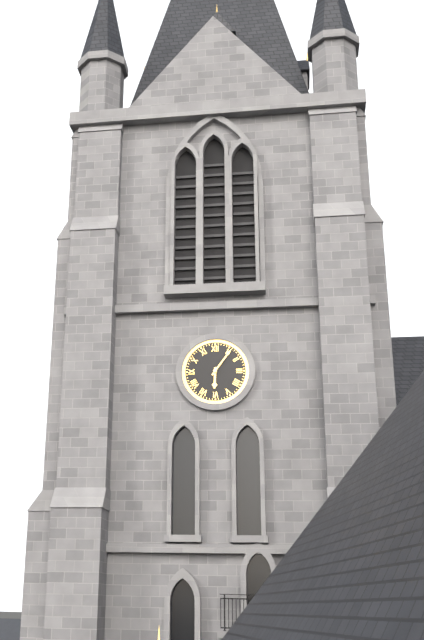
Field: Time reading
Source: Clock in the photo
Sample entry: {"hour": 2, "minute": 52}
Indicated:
{"hour": 6, "minute": 6}
